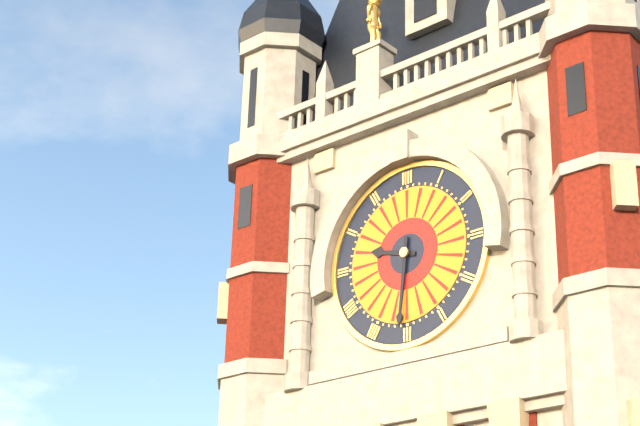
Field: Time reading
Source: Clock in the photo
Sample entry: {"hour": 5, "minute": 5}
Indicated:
{"hour": 9, "minute": 31}
